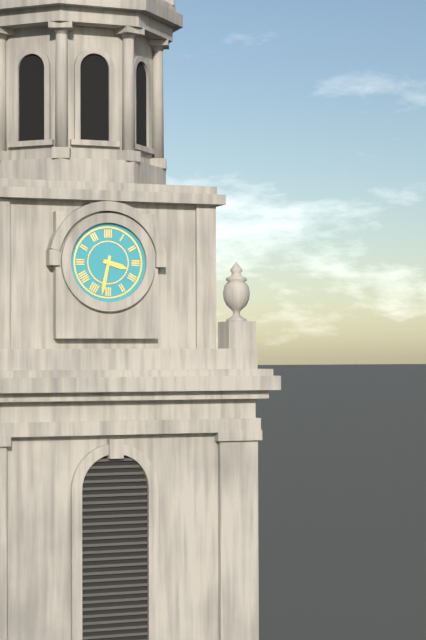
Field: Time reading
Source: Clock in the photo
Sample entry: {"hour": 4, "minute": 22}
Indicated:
{"hour": 3, "minute": 32}
